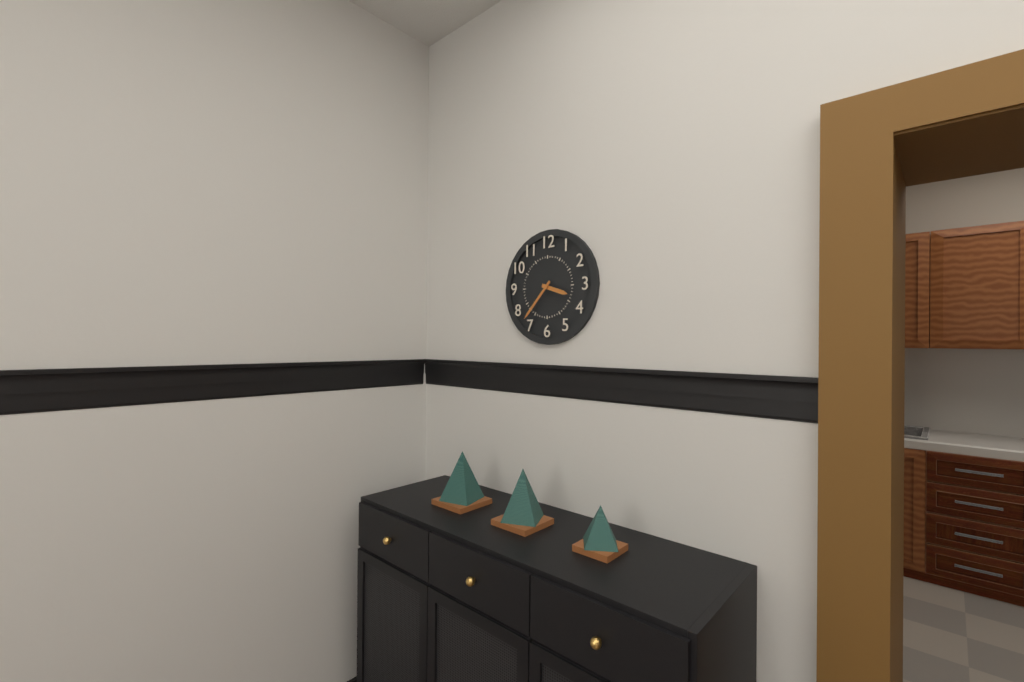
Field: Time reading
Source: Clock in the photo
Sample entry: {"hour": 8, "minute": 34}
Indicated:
{"hour": 3, "minute": 37}
